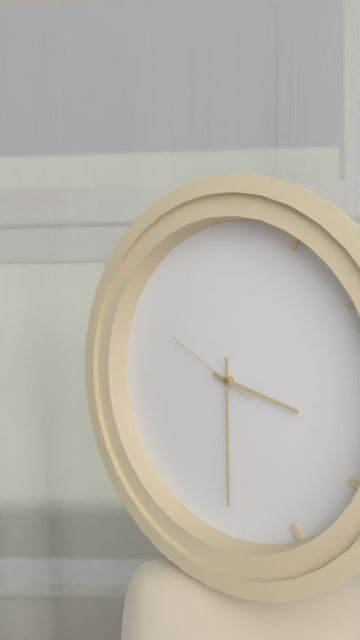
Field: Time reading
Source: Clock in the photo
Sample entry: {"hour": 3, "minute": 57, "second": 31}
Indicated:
{"hour": 3, "minute": 30, "second": 50}
